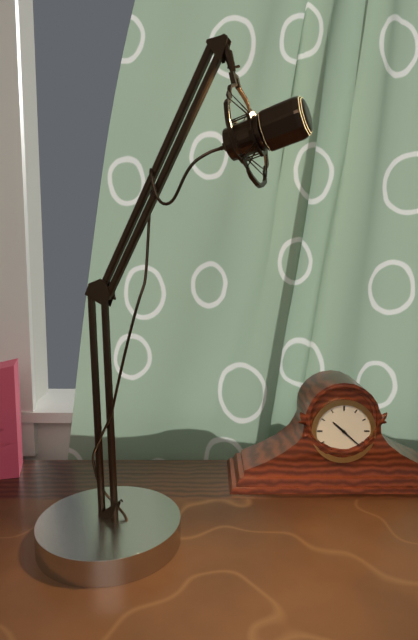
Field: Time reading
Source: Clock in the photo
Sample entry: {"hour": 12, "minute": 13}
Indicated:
{"hour": 10, "minute": 22}
